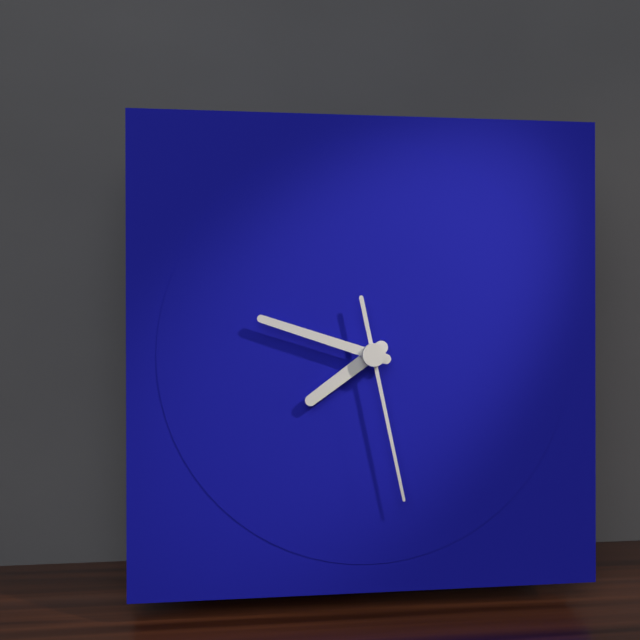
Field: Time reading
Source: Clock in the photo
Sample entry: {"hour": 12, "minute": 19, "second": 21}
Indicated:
{"hour": 7, "minute": 48, "second": 28}
